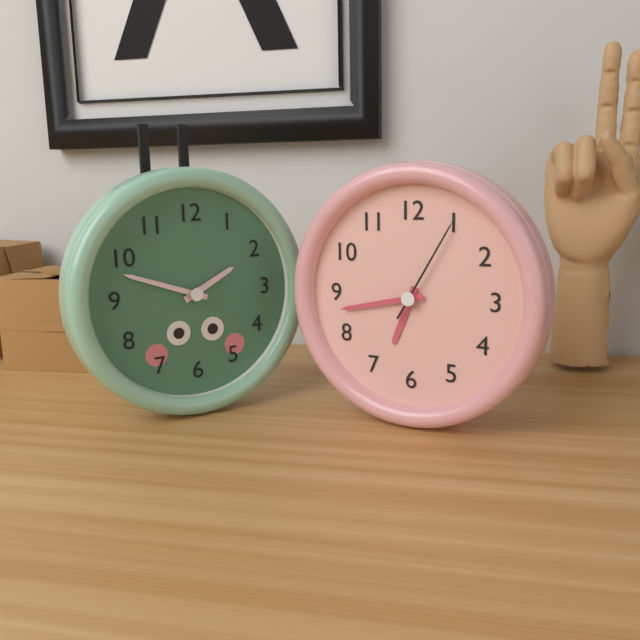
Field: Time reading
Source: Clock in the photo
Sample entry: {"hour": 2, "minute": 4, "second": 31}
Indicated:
{"hour": 6, "minute": 43, "second": 5}
